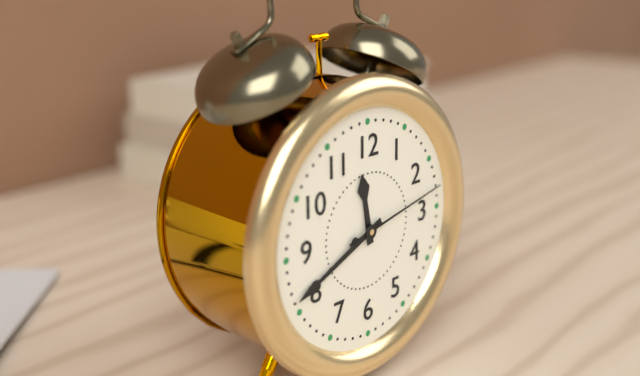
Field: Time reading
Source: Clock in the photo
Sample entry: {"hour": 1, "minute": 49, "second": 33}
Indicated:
{"hour": 11, "minute": 41, "second": 13}
